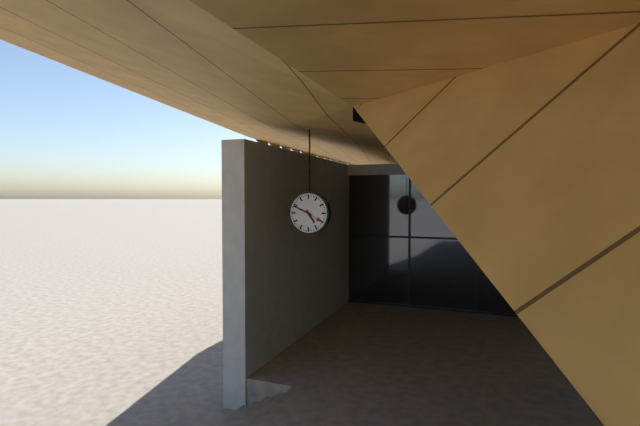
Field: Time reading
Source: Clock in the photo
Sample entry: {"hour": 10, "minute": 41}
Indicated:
{"hour": 4, "minute": 49}
